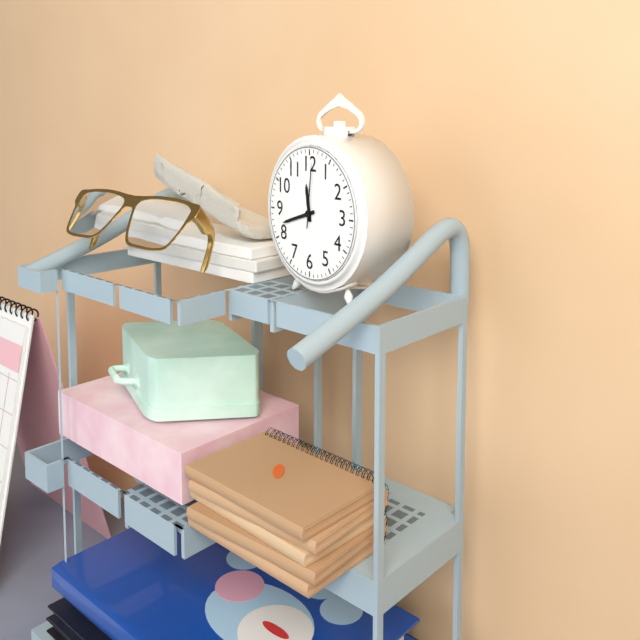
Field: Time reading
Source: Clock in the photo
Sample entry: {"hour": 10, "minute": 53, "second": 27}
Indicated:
{"hour": 11, "minute": 42, "second": 1}
